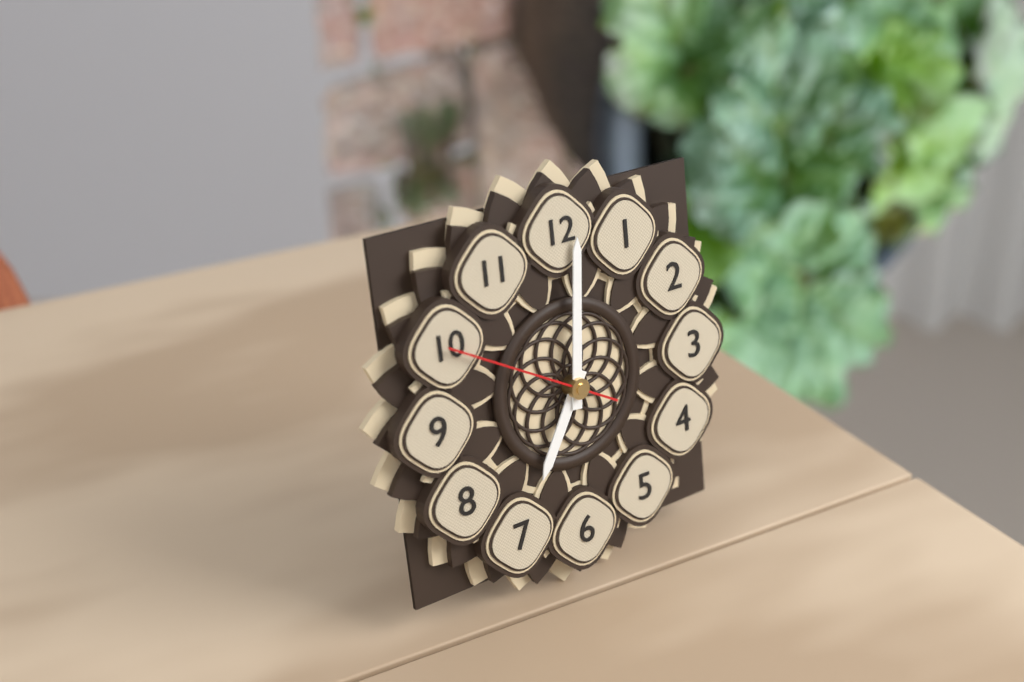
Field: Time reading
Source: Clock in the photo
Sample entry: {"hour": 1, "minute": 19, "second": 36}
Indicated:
{"hour": 7, "minute": 1, "second": 50}
